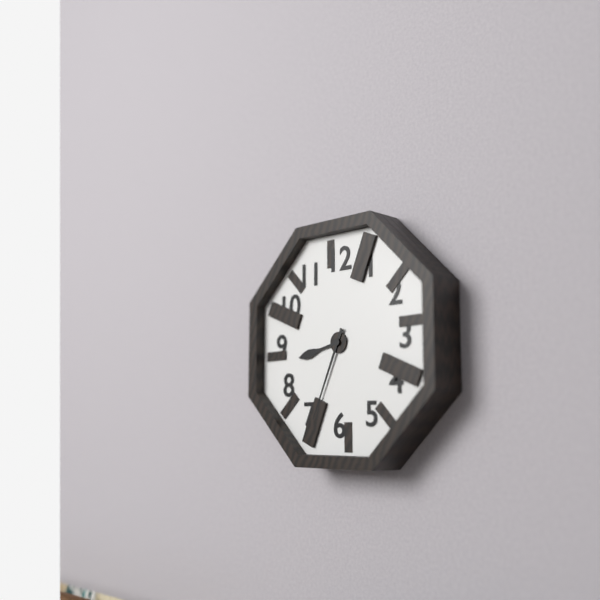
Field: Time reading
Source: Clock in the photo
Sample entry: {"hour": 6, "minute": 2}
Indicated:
{"hour": 8, "minute": 34}
